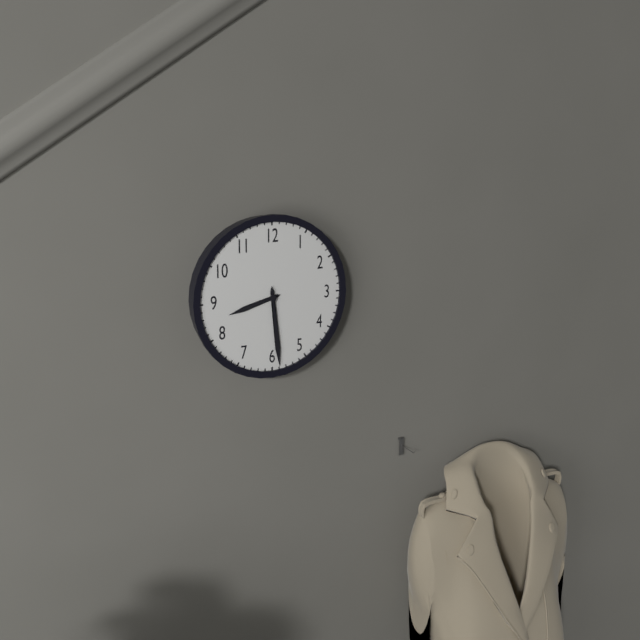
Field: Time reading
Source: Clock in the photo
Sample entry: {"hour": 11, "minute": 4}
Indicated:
{"hour": 8, "minute": 29}
